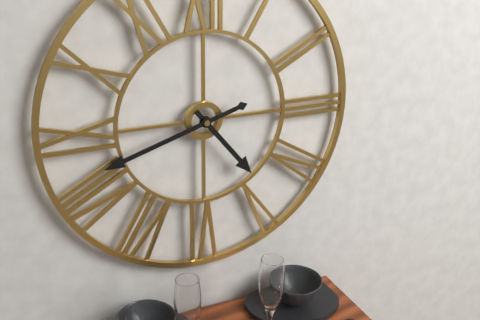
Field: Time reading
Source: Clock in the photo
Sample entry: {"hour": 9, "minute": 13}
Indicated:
{"hour": 4, "minute": 42}
